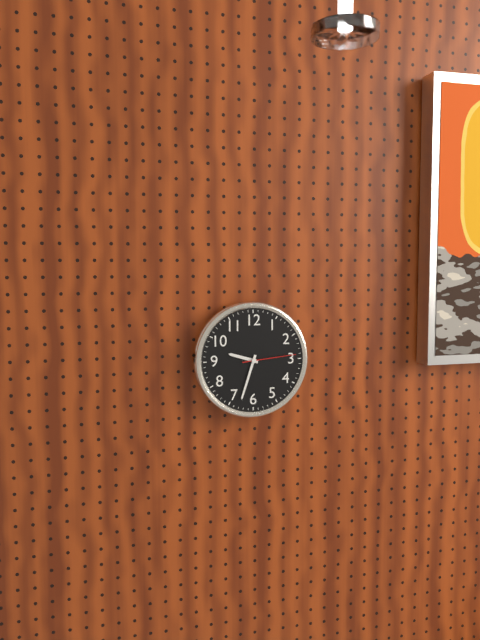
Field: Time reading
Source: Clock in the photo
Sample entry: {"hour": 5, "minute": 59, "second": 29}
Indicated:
{"hour": 9, "minute": 33, "second": 14}
